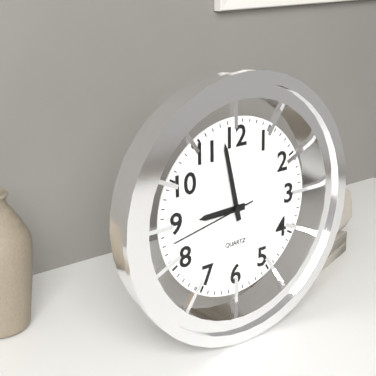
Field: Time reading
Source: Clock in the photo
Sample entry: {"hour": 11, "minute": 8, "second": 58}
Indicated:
{"hour": 8, "minute": 58, "second": 43}
